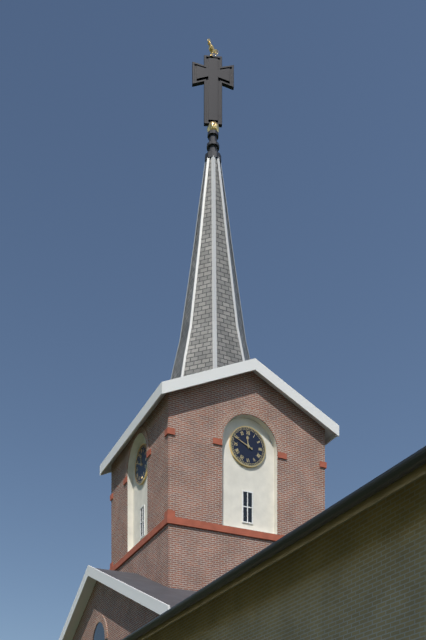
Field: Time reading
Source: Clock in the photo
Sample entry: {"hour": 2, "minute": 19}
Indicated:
{"hour": 11, "minute": 49}
